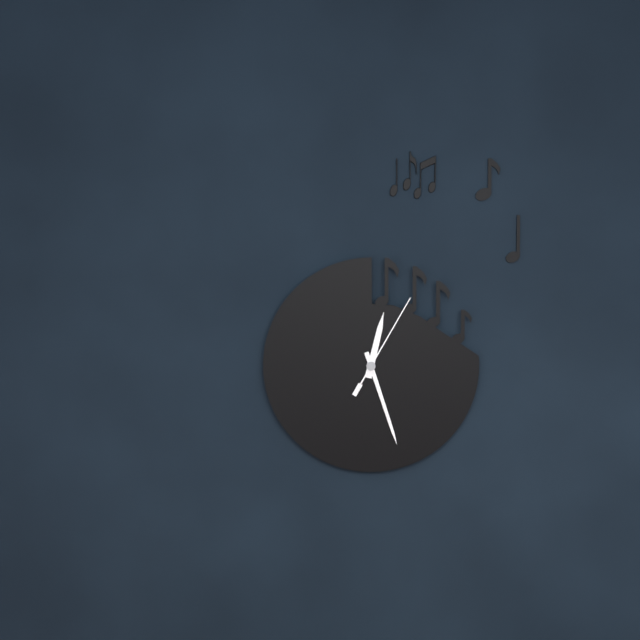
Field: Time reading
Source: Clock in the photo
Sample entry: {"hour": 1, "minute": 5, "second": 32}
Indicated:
{"hour": 12, "minute": 27, "second": 5}
